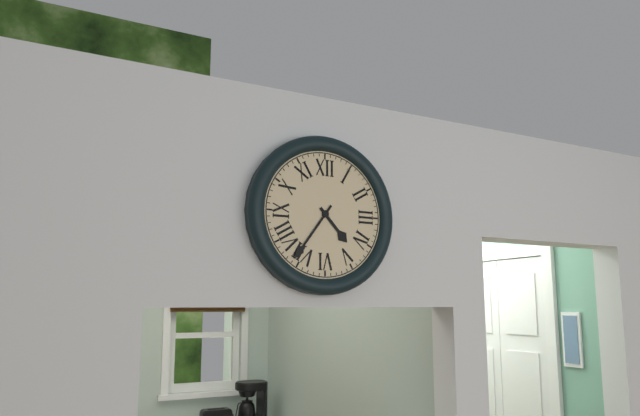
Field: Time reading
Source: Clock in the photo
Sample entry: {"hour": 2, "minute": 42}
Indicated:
{"hour": 4, "minute": 36}
